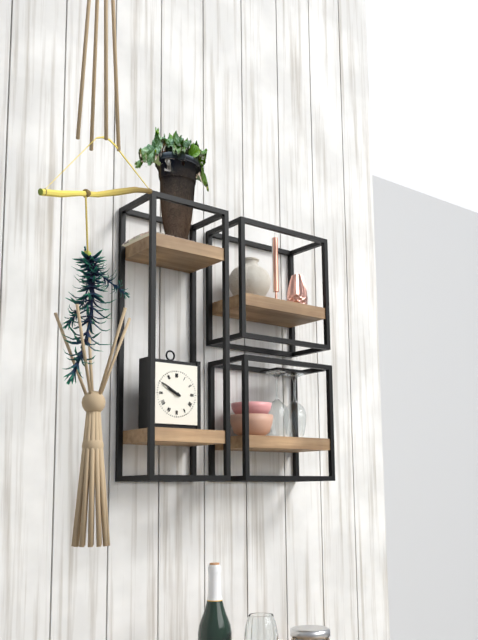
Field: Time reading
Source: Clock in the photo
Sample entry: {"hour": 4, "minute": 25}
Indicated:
{"hour": 9, "minute": 50}
